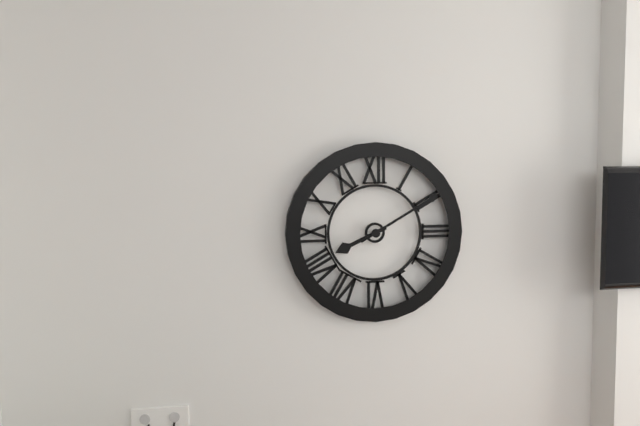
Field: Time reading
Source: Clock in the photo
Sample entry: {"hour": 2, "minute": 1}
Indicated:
{"hour": 8, "minute": 10}
